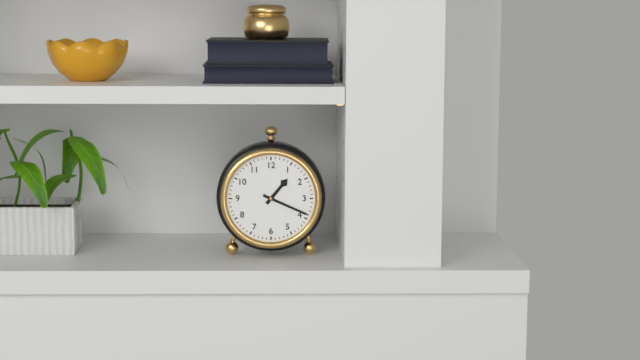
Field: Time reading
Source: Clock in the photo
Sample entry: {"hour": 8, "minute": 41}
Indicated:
{"hour": 1, "minute": 19}
